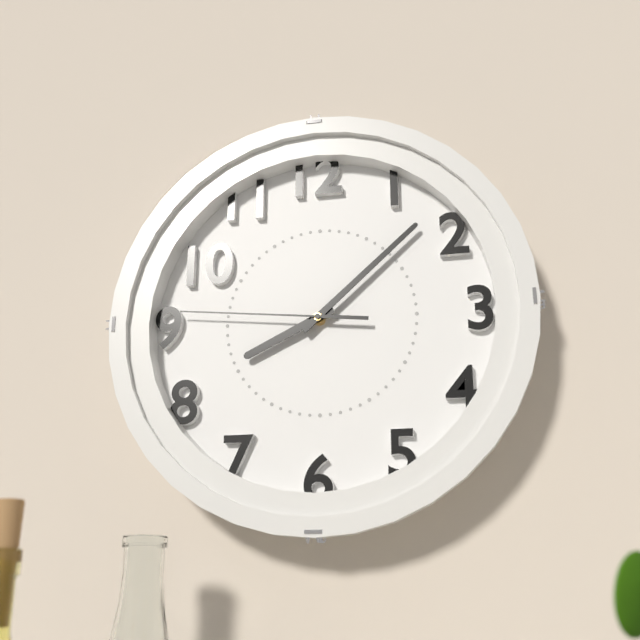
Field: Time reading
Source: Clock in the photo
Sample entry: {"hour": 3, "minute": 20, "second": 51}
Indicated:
{"hour": 8, "minute": 8, "second": 46}
